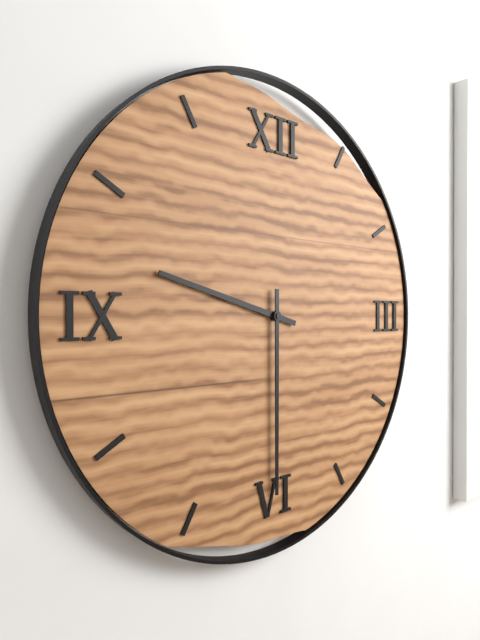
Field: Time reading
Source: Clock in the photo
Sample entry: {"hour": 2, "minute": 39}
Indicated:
{"hour": 9, "minute": 30}
